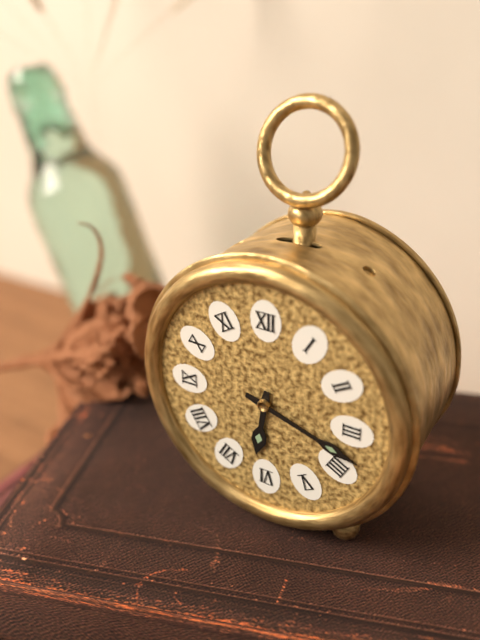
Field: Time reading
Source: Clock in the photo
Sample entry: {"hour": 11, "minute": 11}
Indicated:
{"hour": 6, "minute": 18}
